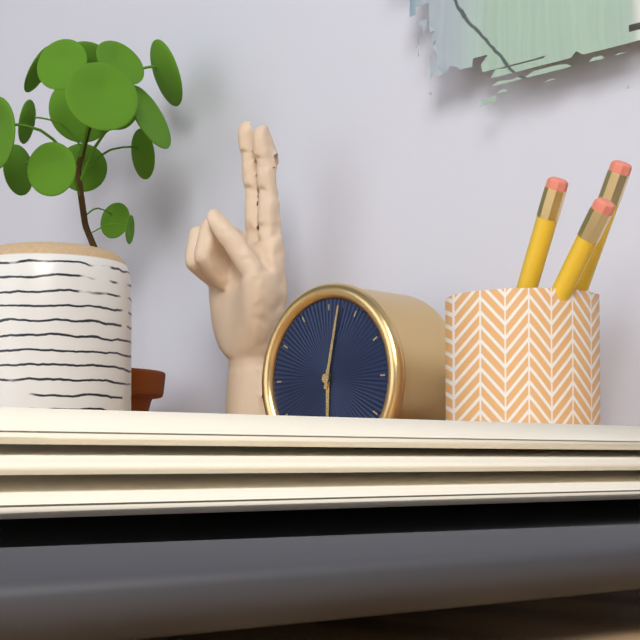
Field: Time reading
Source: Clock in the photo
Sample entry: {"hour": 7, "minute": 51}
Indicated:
{"hour": 6, "minute": 2}
